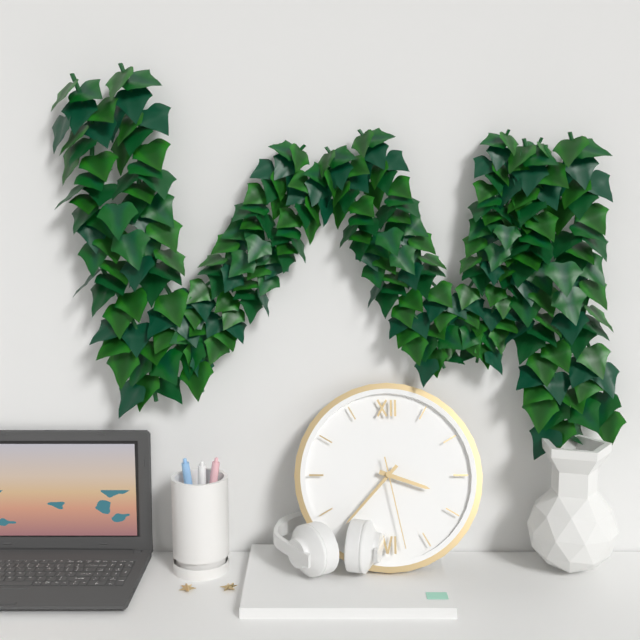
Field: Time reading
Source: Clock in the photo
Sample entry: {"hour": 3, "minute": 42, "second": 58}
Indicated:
{"hour": 3, "minute": 37, "second": 28}
